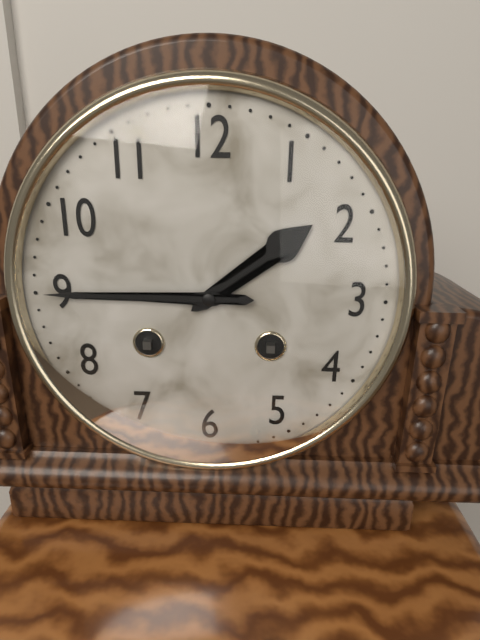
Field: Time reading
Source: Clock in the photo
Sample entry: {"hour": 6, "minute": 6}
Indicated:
{"hour": 1, "minute": 45}
